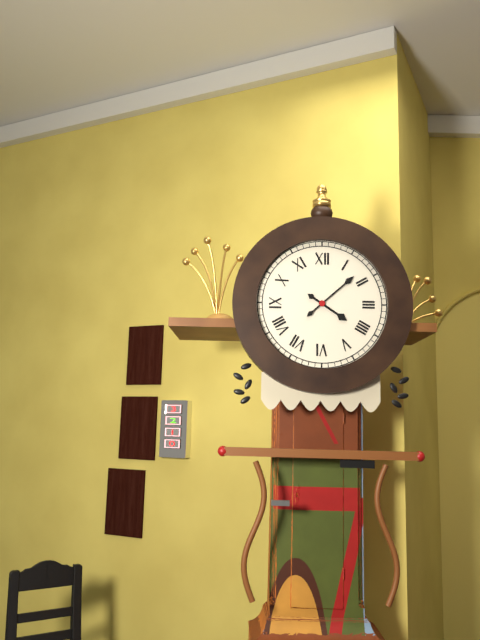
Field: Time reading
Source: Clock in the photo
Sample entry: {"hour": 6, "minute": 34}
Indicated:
{"hour": 4, "minute": 8}
